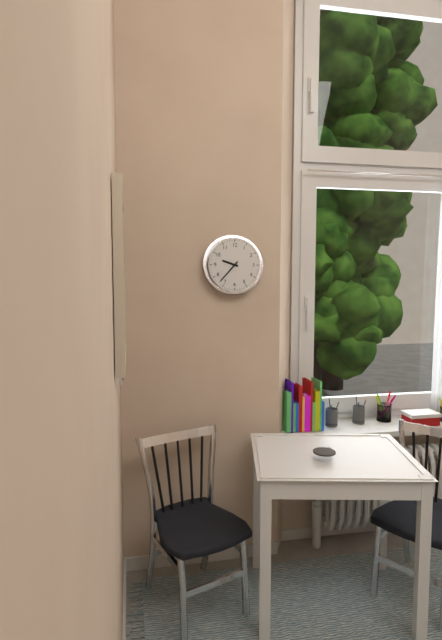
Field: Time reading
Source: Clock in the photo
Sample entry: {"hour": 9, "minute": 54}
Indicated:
{"hour": 9, "minute": 37}
